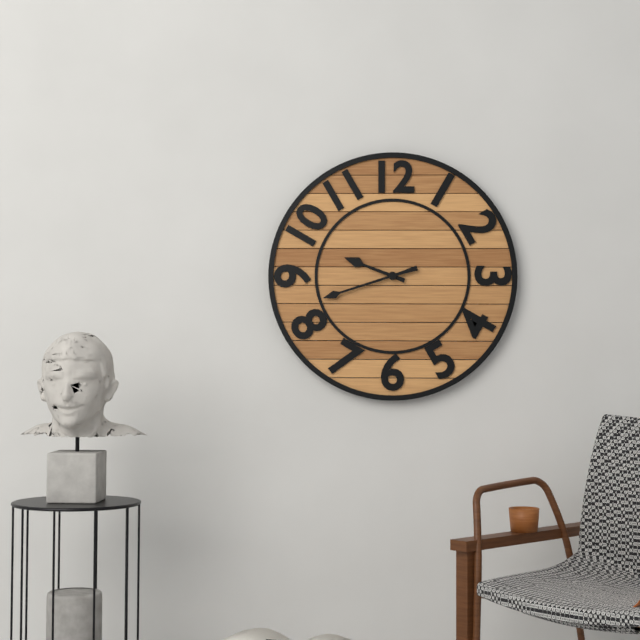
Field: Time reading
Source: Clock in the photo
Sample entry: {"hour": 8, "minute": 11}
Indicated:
{"hour": 9, "minute": 42}
